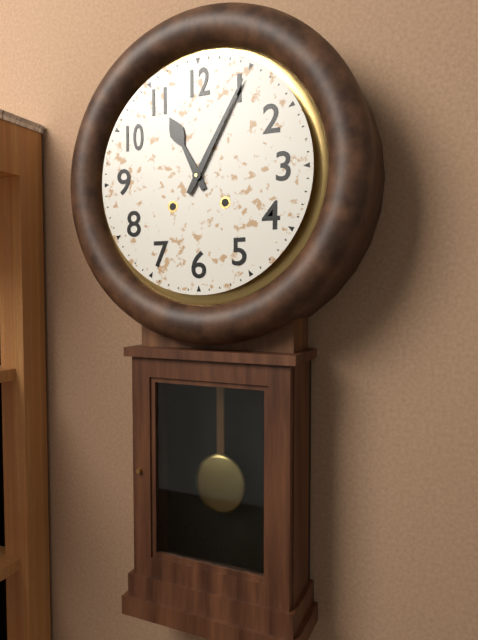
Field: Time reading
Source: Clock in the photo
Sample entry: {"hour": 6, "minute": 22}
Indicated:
{"hour": 11, "minute": 5}
